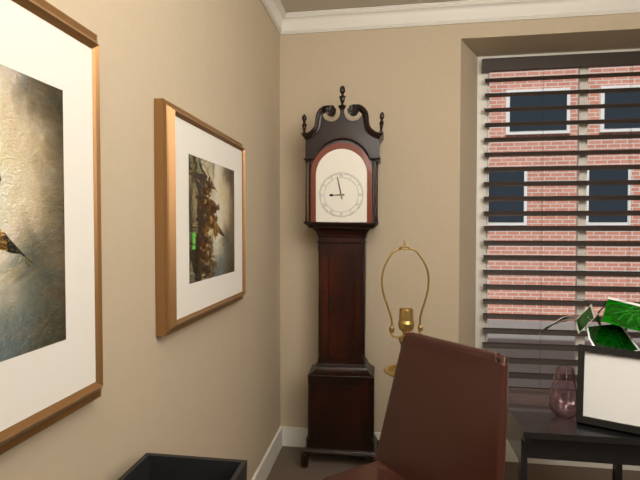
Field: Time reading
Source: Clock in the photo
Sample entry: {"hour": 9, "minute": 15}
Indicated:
{"hour": 8, "minute": 58}
